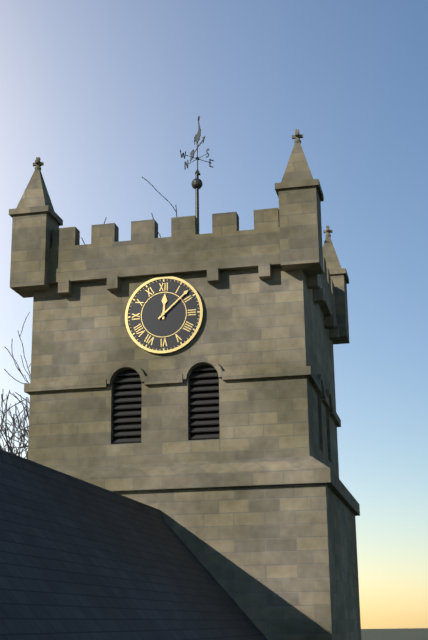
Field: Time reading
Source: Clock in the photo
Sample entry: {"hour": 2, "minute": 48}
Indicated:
{"hour": 12, "minute": 8}
